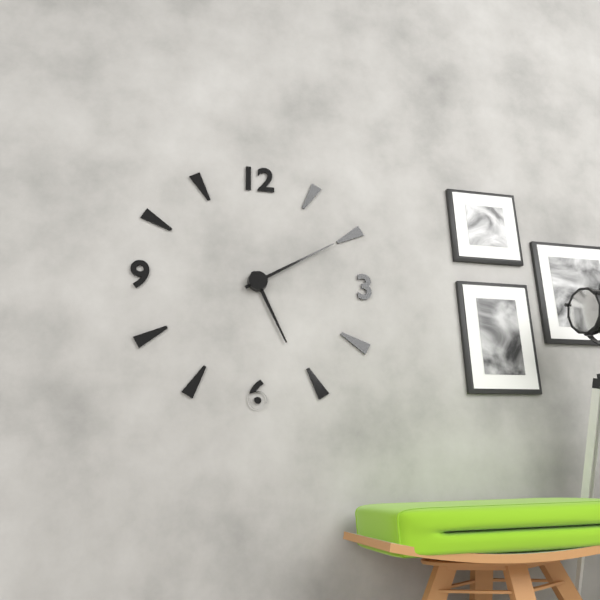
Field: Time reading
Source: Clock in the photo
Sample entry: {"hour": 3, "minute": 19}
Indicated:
{"hour": 5, "minute": 10}
